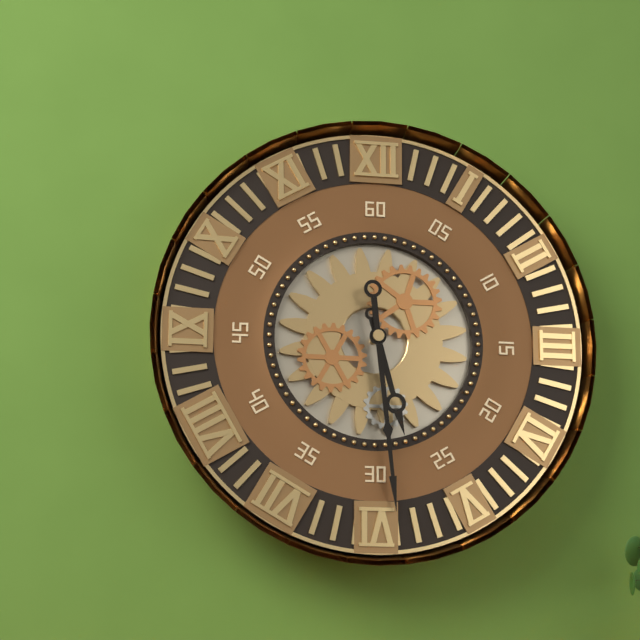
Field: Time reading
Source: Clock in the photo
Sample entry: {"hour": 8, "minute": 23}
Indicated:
{"hour": 5, "minute": 29}
